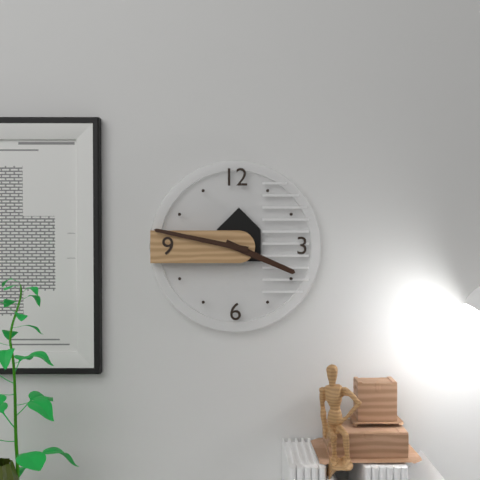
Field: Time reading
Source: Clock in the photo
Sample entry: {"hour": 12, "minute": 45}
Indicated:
{"hour": 3, "minute": 47}
